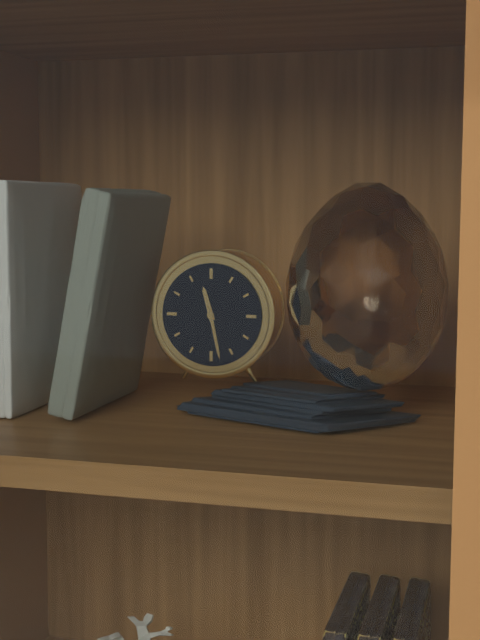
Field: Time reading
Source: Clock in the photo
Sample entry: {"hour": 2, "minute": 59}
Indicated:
{"hour": 11, "minute": 28}
